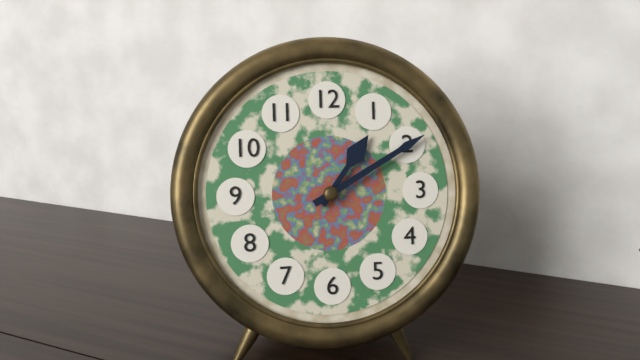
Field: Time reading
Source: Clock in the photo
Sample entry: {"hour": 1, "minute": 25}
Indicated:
{"hour": 1, "minute": 10}
